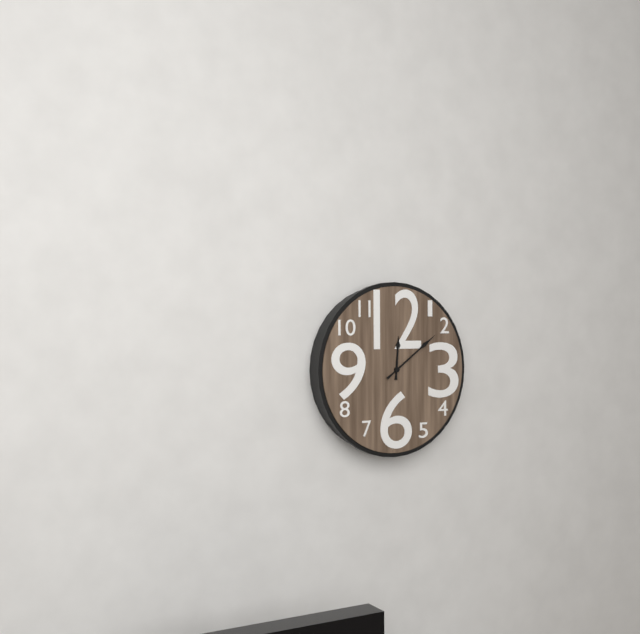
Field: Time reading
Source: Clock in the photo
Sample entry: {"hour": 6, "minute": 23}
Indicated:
{"hour": 12, "minute": 9}
